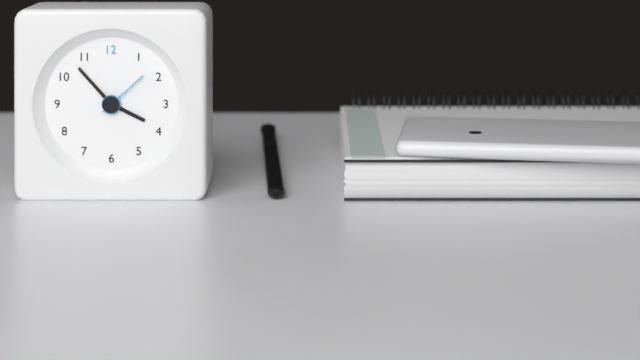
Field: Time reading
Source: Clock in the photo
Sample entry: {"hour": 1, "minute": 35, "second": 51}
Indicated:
{"hour": 3, "minute": 53, "second": 8}
